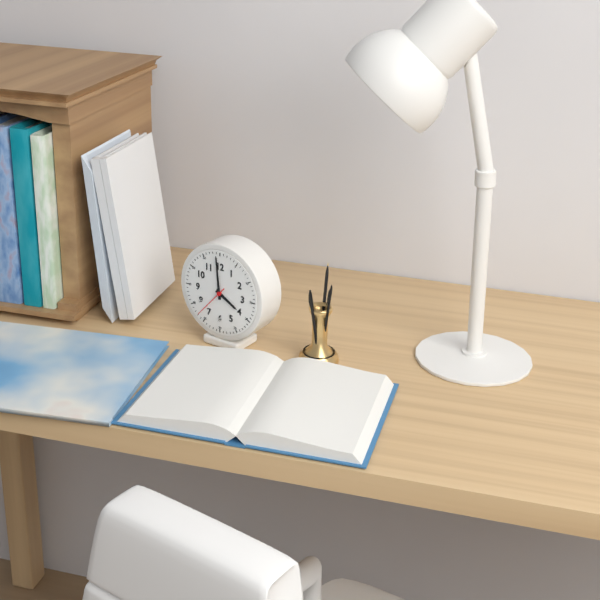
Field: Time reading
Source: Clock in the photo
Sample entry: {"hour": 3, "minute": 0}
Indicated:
{"hour": 3, "minute": 59}
